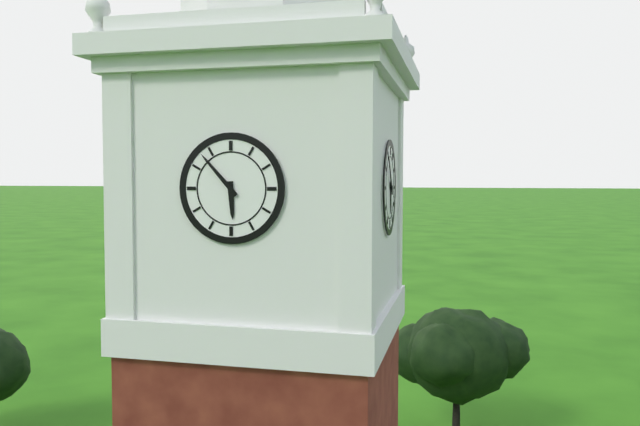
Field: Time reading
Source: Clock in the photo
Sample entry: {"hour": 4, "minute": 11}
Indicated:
{"hour": 5, "minute": 53}
